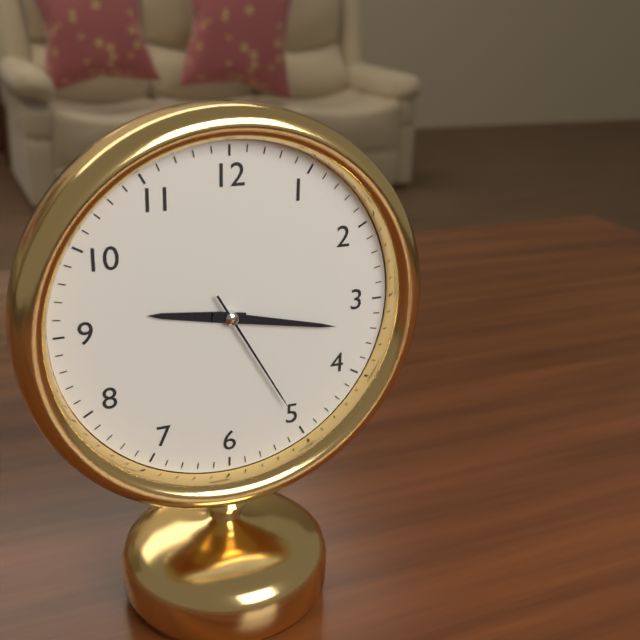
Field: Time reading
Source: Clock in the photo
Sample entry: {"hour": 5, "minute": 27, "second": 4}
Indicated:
{"hour": 9, "minute": 17, "second": 25}
